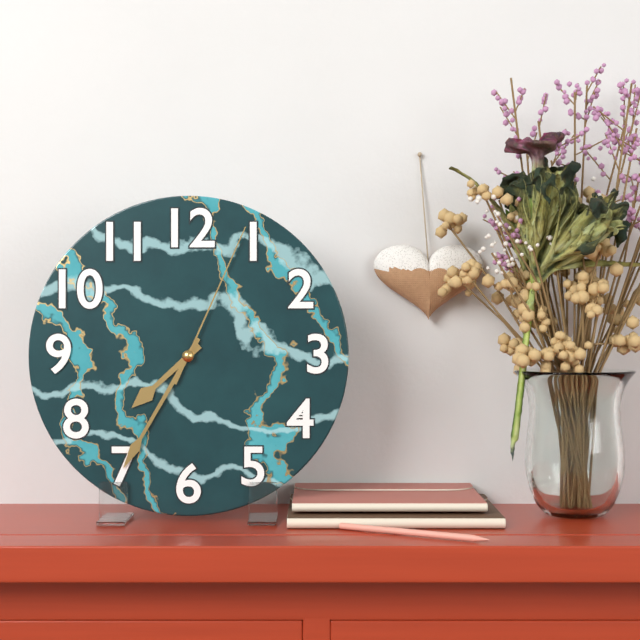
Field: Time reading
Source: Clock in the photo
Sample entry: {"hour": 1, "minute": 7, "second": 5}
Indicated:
{"hour": 7, "minute": 35, "second": 4}
